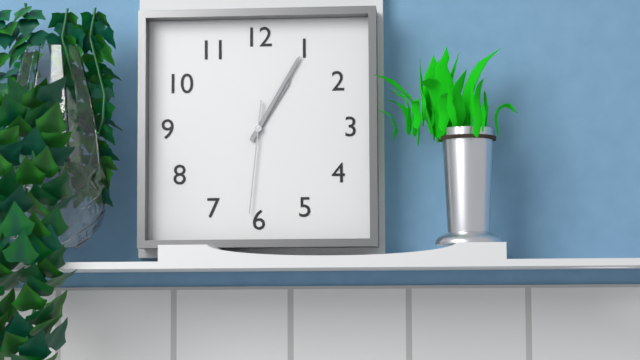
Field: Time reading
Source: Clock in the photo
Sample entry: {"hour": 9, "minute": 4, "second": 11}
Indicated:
{"hour": 1, "minute": 5, "second": 31}
